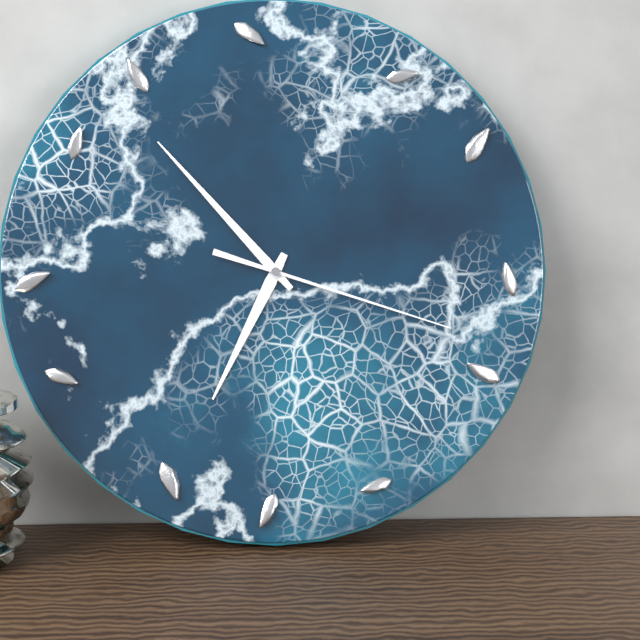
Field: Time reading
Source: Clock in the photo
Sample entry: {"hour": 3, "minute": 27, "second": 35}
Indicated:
{"hour": 6, "minute": 53, "second": 18}
